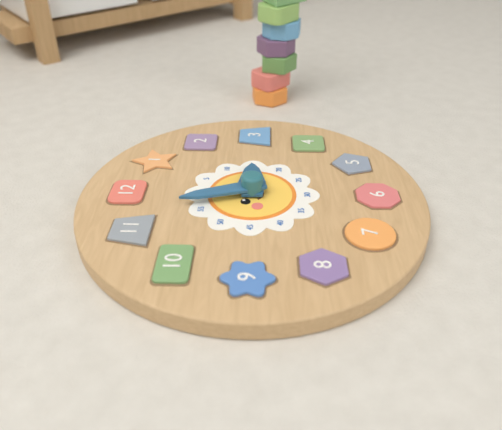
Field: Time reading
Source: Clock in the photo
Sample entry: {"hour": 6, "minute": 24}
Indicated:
{"hour": 2, "minute": 57}
